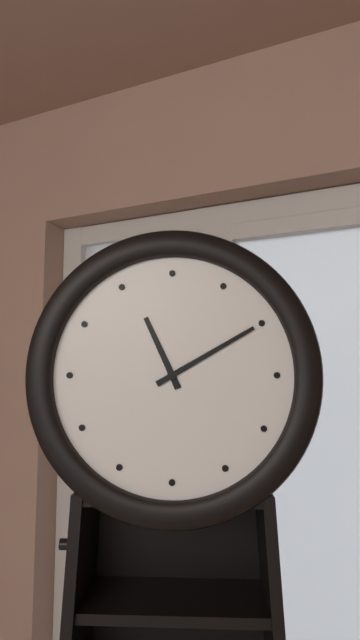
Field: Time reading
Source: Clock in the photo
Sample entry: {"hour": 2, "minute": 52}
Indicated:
{"hour": 11, "minute": 10}
